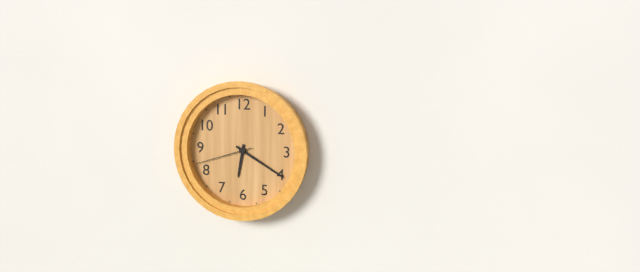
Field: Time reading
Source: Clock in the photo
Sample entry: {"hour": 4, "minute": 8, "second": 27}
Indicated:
{"hour": 6, "minute": 20, "second": 42}
